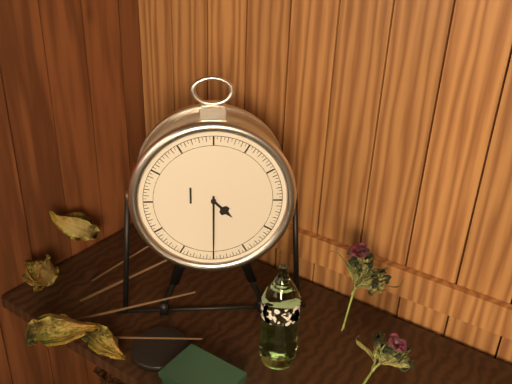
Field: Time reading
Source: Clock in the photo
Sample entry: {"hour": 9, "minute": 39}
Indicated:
{"hour": 4, "minute": 30}
